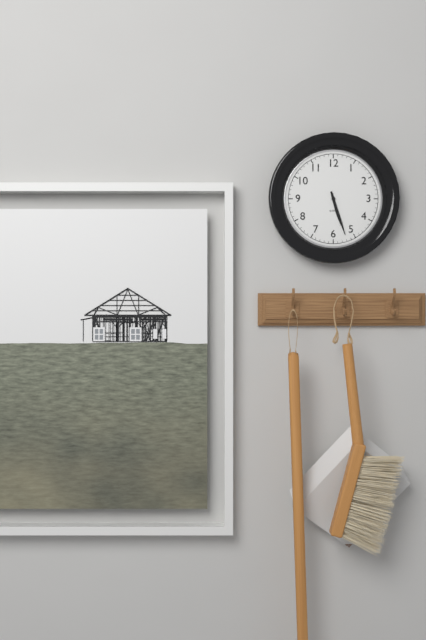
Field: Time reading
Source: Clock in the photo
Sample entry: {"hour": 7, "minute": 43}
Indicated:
{"hour": 5, "minute": 27}
